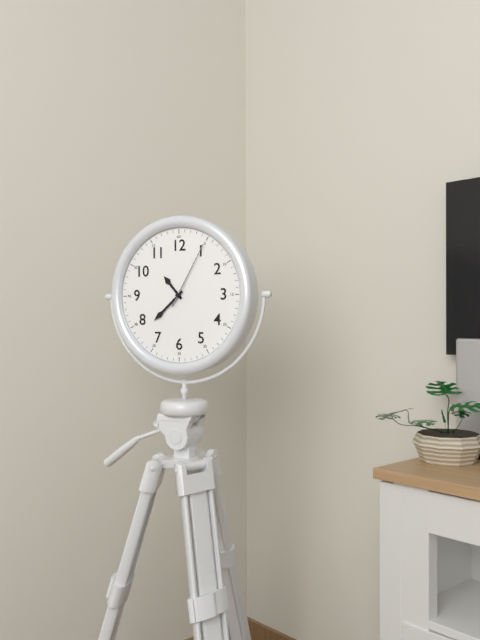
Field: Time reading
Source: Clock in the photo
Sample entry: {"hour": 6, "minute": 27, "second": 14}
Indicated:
{"hour": 10, "minute": 38, "second": 5}
